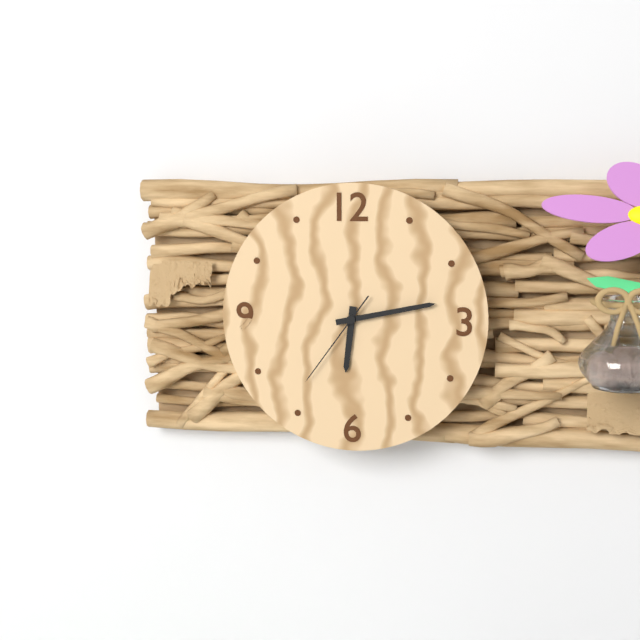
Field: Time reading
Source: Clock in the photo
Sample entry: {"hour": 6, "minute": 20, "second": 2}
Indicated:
{"hour": 6, "minute": 13, "second": 36}
